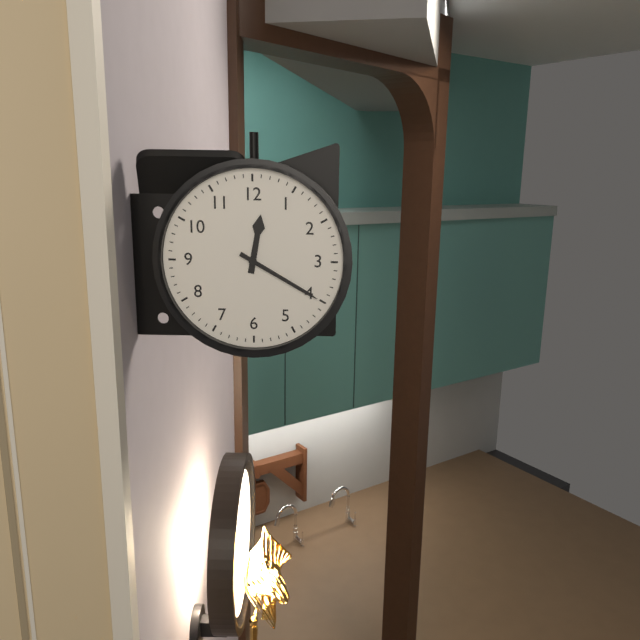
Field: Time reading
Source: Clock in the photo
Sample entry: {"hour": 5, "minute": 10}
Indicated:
{"hour": 12, "minute": 20}
